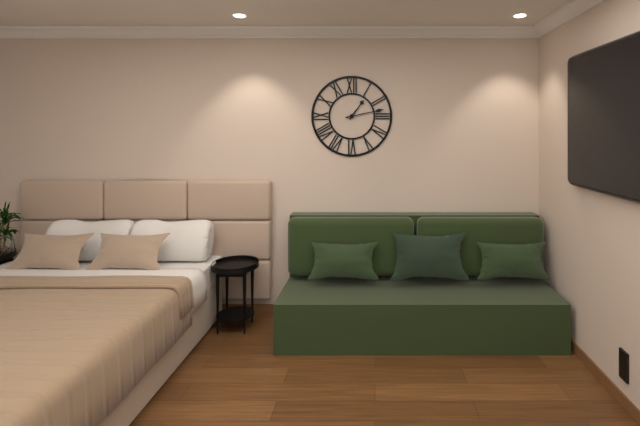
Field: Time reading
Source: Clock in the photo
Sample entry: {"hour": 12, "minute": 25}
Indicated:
{"hour": 1, "minute": 13}
